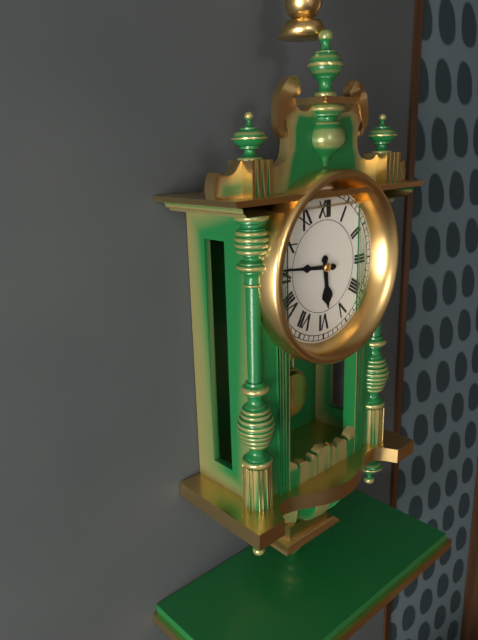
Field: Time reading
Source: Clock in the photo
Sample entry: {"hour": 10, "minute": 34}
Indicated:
{"hour": 5, "minute": 46}
